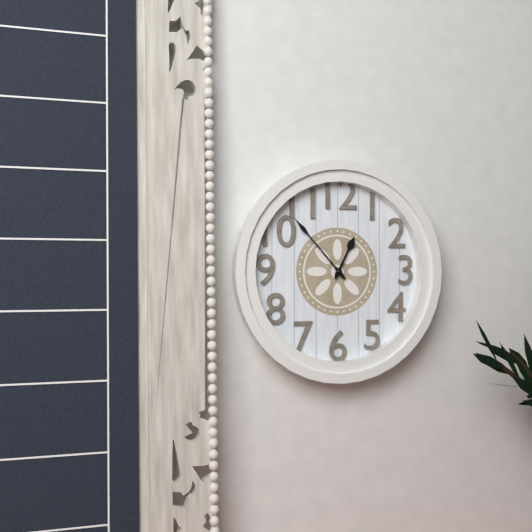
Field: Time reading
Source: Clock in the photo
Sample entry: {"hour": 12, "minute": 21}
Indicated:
{"hour": 12, "minute": 53}
